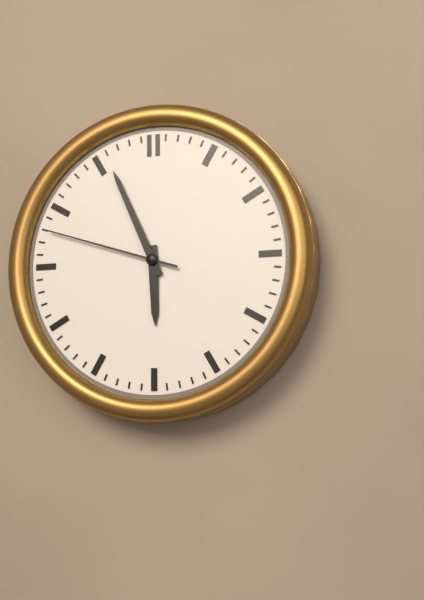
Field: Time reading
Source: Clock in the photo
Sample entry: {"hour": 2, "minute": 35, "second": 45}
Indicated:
{"hour": 5, "minute": 56, "second": 48}
